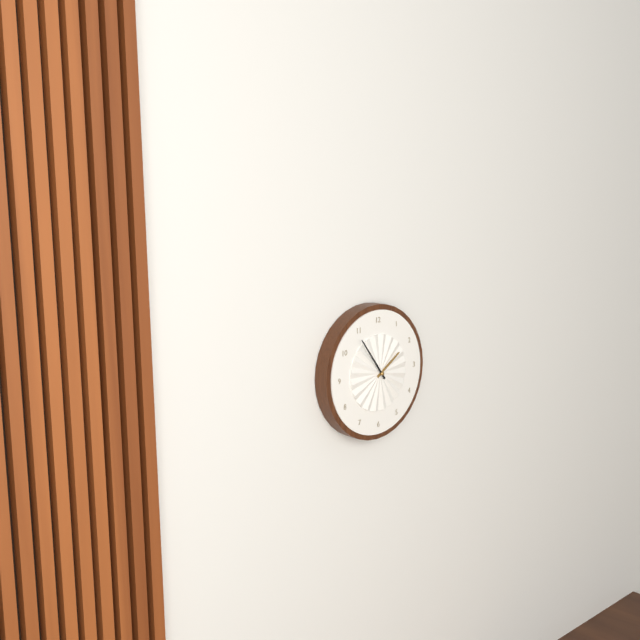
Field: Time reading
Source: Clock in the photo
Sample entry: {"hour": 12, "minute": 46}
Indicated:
{"hour": 1, "minute": 54}
